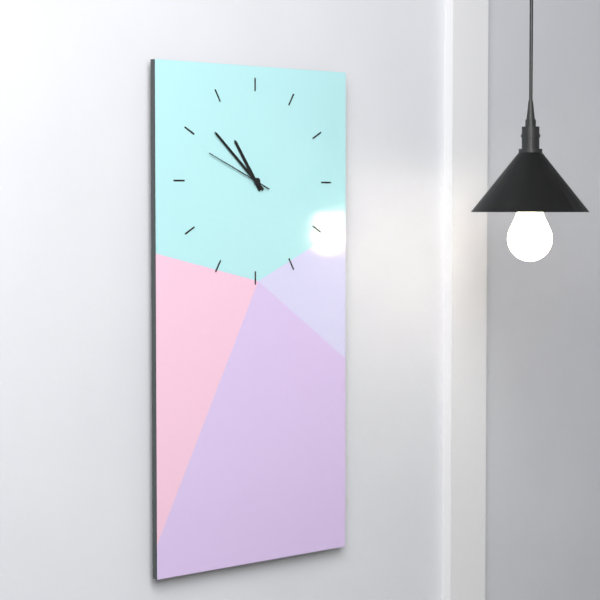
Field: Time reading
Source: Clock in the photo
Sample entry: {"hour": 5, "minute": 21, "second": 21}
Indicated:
{"hour": 10, "minute": 52, "second": 49}
